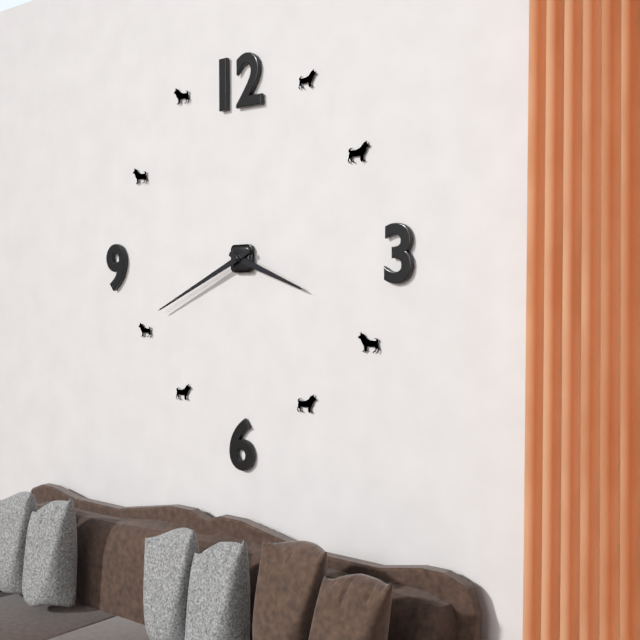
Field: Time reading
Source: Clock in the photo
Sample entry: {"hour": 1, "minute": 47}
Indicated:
{"hour": 3, "minute": 41}
